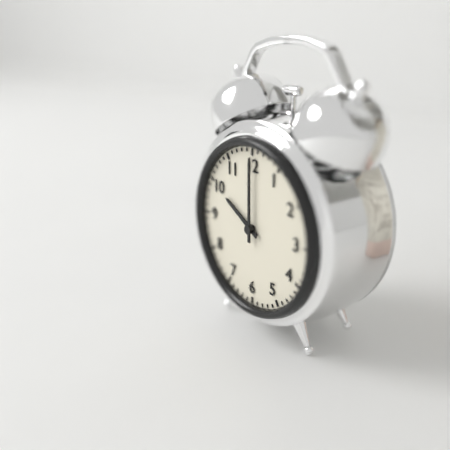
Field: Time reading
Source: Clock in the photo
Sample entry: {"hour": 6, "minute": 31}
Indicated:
{"hour": 10, "minute": 0}
